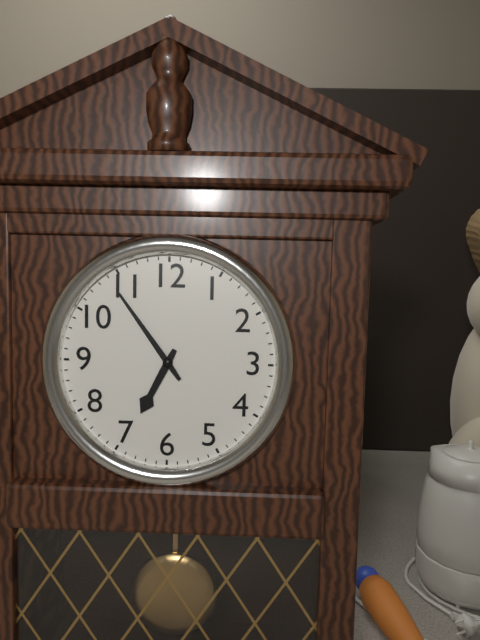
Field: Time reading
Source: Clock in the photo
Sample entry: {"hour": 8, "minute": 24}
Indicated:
{"hour": 6, "minute": 54}
